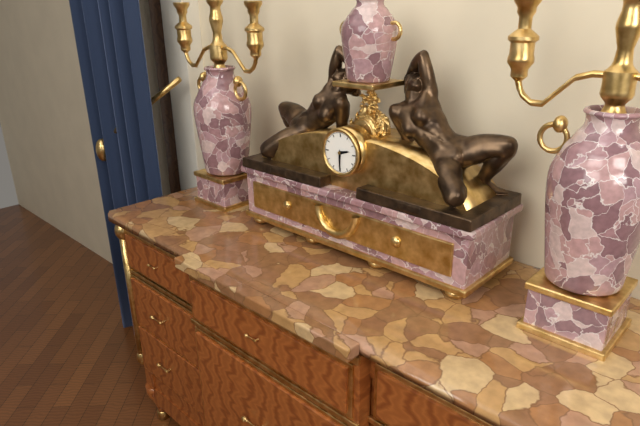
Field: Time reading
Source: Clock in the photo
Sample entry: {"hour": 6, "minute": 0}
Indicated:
{"hour": 2, "minute": 30}
